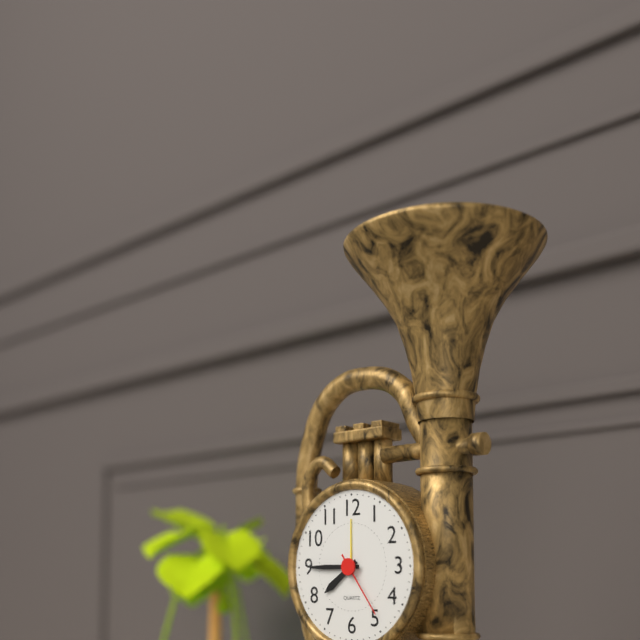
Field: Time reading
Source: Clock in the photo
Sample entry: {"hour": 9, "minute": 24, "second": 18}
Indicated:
{"hour": 7, "minute": 45, "second": 24}
